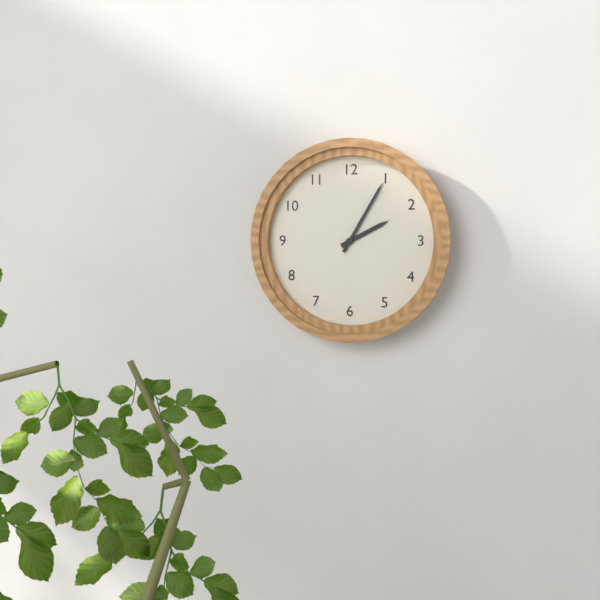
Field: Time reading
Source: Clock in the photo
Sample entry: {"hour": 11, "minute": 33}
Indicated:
{"hour": 2, "minute": 5}
